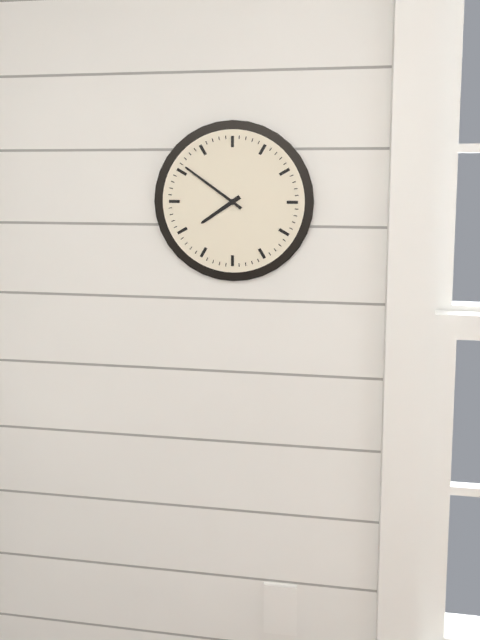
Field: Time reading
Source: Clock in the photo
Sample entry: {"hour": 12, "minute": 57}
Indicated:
{"hour": 7, "minute": 51}
